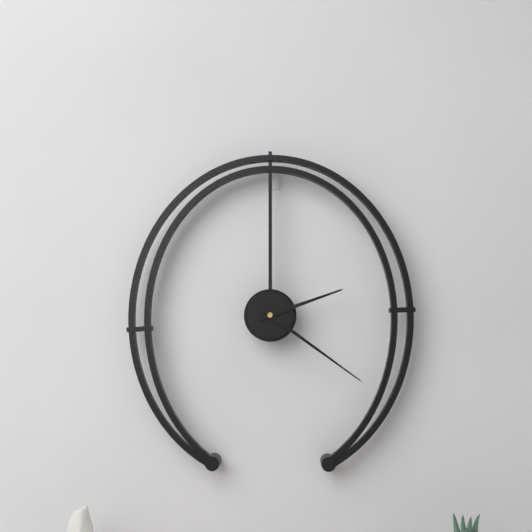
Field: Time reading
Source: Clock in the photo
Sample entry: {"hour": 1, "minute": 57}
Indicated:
{"hour": 2, "minute": 21}
